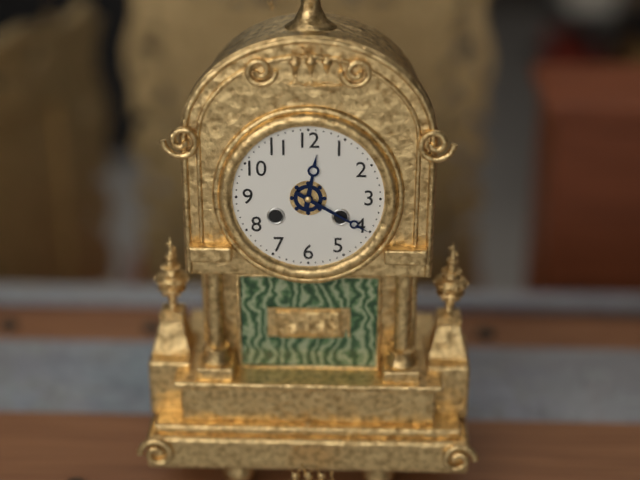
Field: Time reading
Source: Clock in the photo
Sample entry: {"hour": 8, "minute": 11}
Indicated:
{"hour": 12, "minute": 20}
